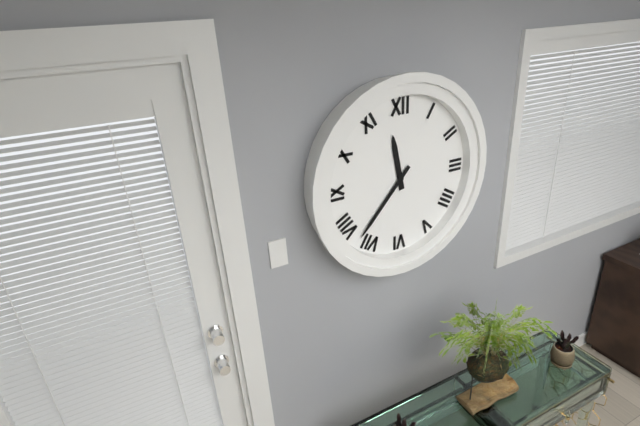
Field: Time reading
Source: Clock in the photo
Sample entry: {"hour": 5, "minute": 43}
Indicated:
{"hour": 11, "minute": 37}
